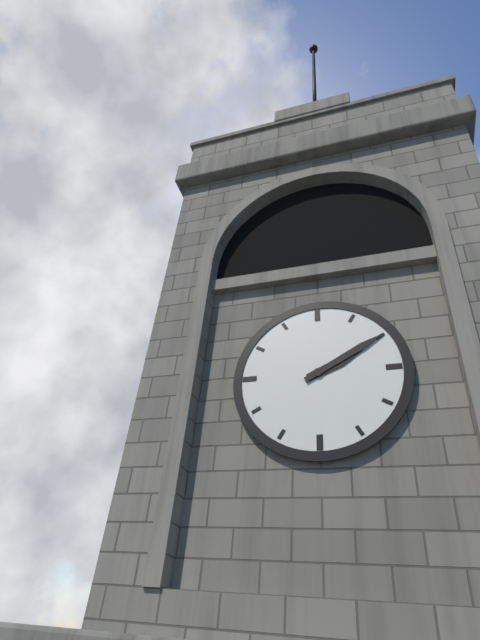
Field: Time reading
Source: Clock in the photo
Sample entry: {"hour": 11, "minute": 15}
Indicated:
{"hour": 2, "minute": 10}
